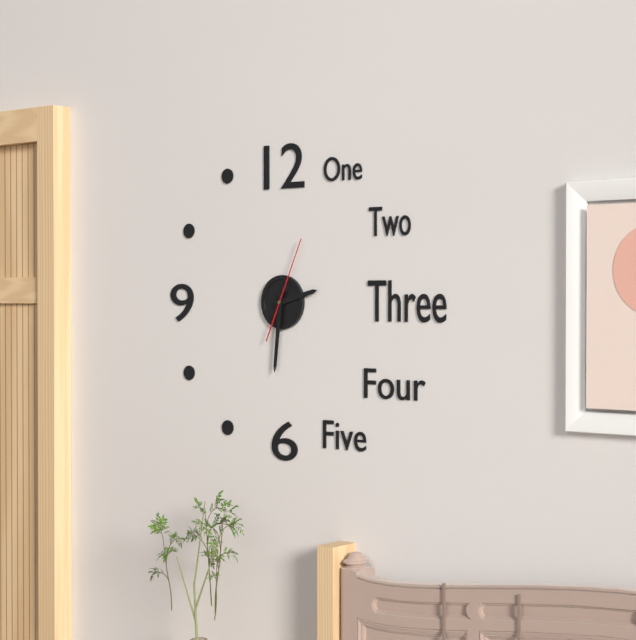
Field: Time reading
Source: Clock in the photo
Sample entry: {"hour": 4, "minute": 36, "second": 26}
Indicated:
{"hour": 2, "minute": 31, "second": 4}
